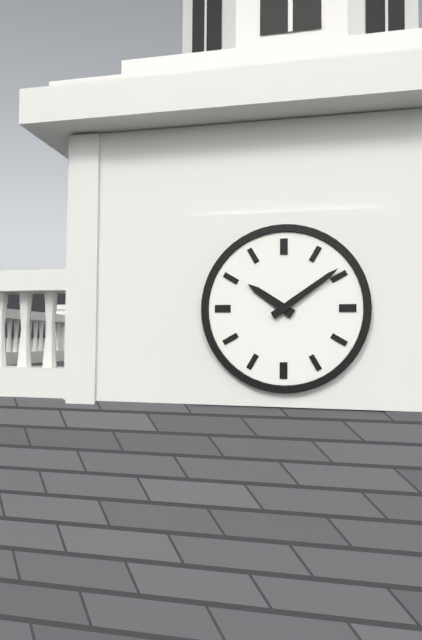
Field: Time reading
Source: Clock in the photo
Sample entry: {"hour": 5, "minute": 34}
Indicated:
{"hour": 10, "minute": 9}
